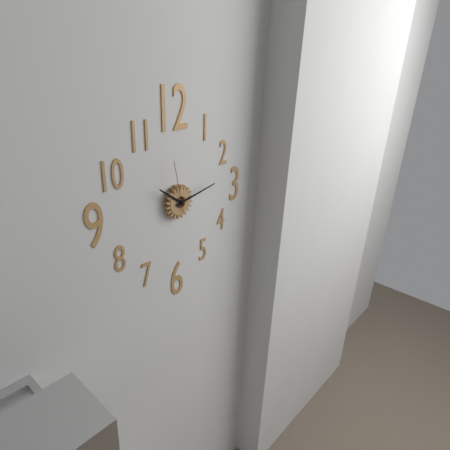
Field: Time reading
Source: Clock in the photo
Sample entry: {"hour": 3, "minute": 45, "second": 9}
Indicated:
{"hour": 10, "minute": 13, "second": 58}
